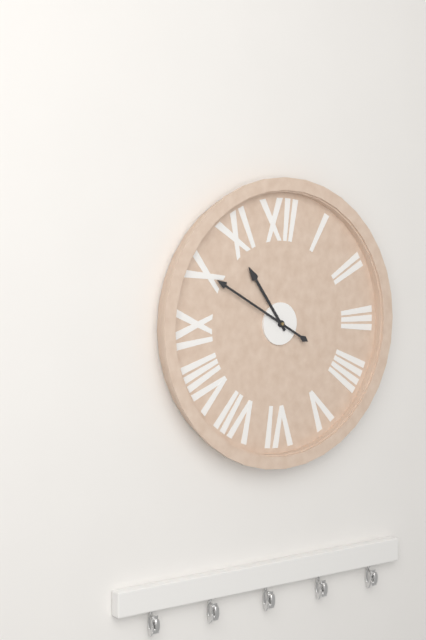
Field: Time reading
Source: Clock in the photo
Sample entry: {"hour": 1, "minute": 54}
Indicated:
{"hour": 10, "minute": 50}
